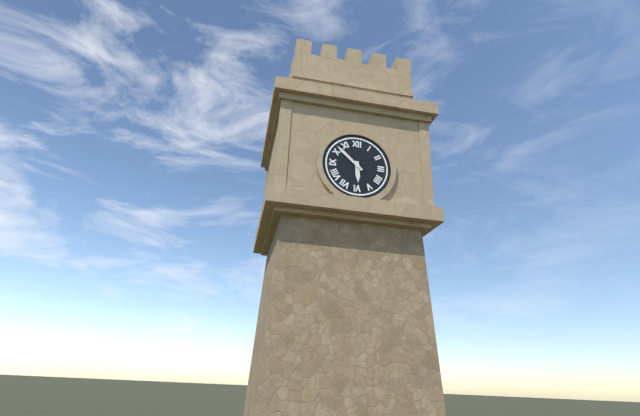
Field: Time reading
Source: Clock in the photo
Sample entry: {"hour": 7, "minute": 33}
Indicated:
{"hour": 5, "minute": 52}
